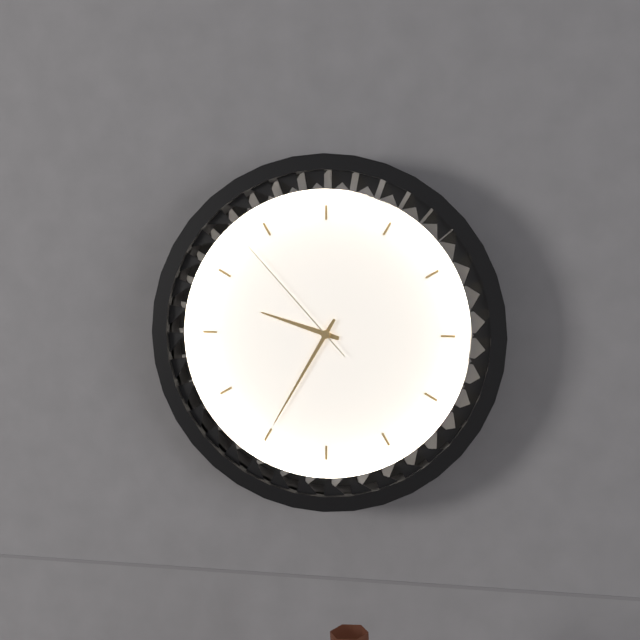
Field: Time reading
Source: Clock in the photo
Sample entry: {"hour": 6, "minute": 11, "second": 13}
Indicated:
{"hour": 9, "minute": 35, "second": 53}
